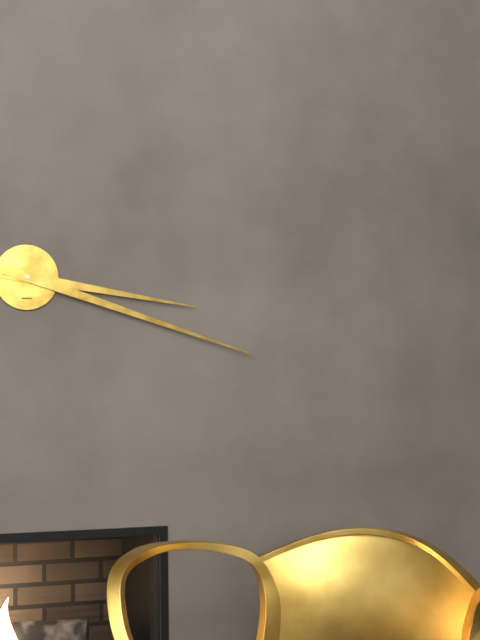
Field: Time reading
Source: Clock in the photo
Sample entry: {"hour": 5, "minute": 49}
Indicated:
{"hour": 3, "minute": 18}
